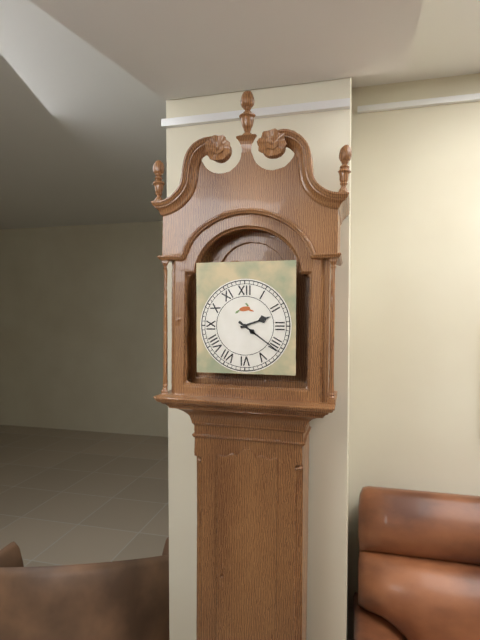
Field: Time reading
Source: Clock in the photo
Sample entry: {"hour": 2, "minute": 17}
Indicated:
{"hour": 2, "minute": 21}
